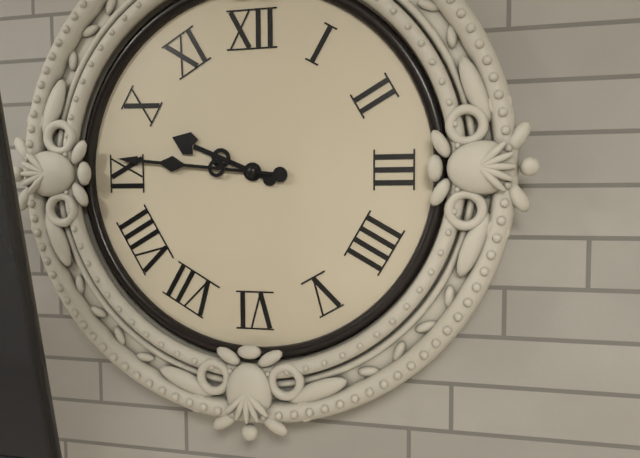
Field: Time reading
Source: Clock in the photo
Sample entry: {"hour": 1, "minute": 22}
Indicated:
{"hour": 9, "minute": 46}
